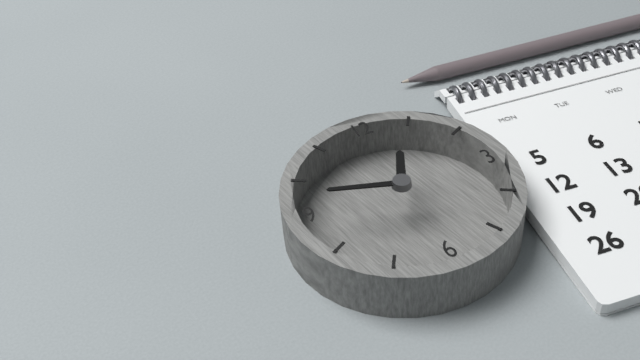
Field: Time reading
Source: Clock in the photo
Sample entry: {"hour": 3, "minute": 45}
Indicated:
{"hour": 12, "minute": 48}
